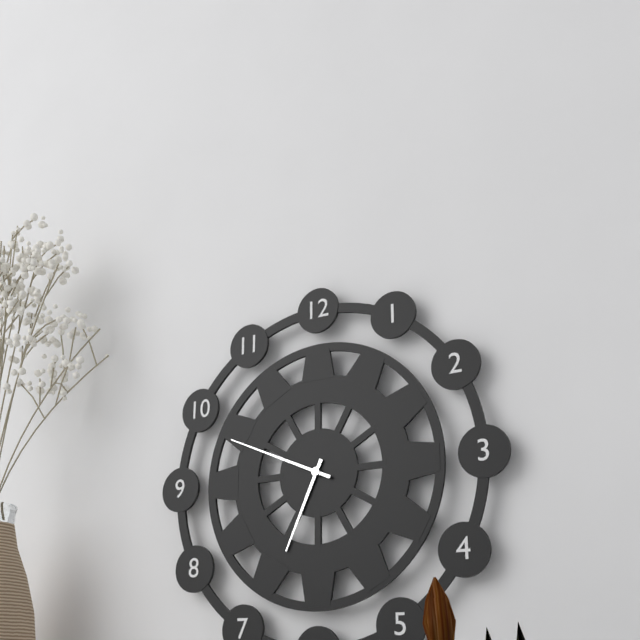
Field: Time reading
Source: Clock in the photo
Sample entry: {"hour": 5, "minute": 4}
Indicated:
{"hour": 6, "minute": 49}
